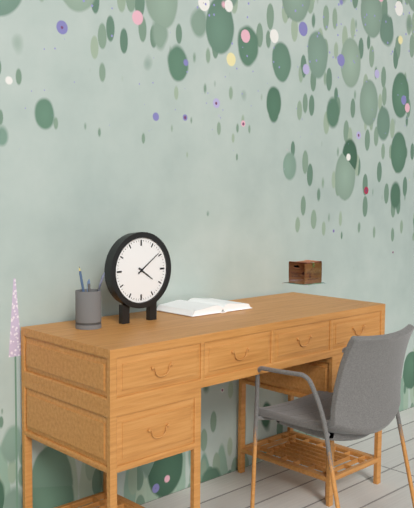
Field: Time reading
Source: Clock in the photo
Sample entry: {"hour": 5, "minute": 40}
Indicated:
{"hour": 4, "minute": 9}
